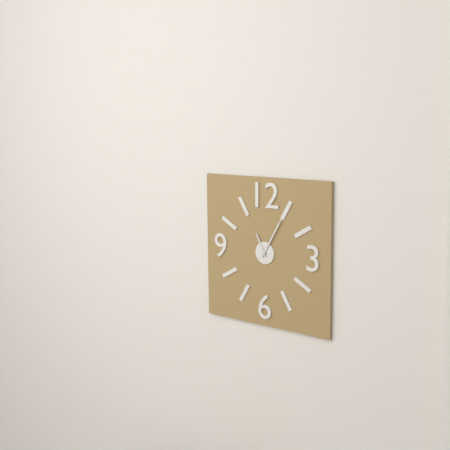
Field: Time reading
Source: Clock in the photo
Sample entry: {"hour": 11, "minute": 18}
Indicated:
{"hour": 11, "minute": 5}
